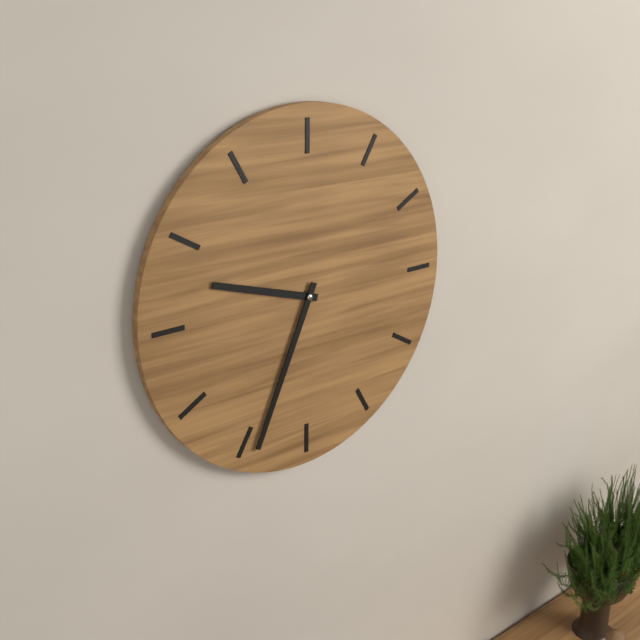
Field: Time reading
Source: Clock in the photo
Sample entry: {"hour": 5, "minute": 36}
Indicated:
{"hour": 9, "minute": 34}
